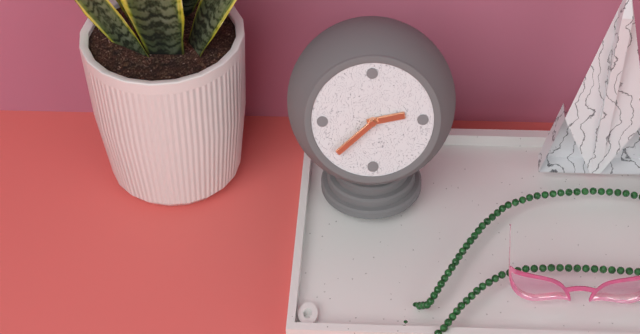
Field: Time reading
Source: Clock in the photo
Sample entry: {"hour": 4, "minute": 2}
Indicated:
{"hour": 2, "minute": 38}
